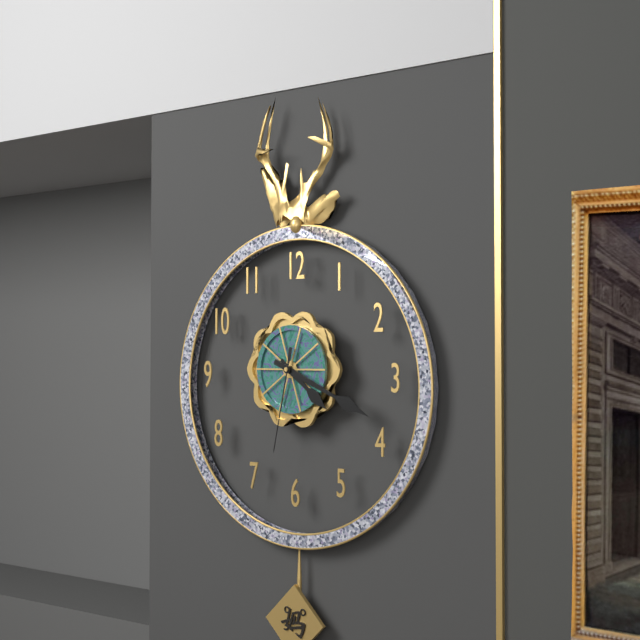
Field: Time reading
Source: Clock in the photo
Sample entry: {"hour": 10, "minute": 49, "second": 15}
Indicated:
{"hour": 4, "minute": 19, "second": 32}
